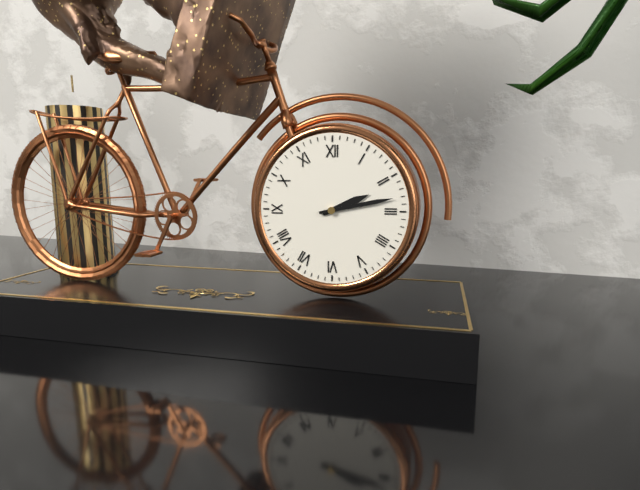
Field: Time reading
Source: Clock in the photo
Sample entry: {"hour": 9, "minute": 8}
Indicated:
{"hour": 2, "minute": 13}
